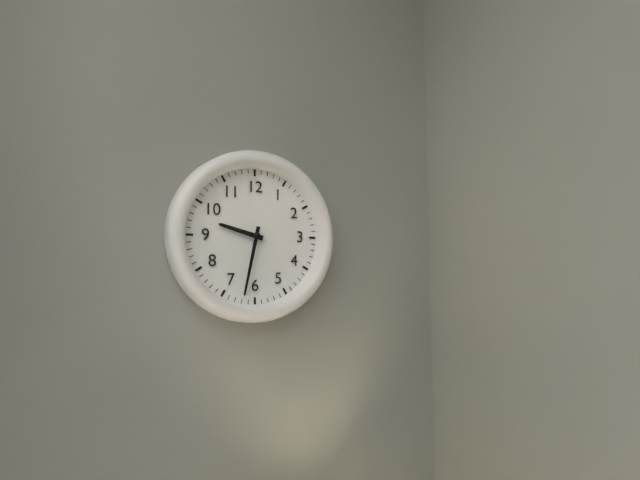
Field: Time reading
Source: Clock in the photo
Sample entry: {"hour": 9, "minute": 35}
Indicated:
{"hour": 9, "minute": 32}
